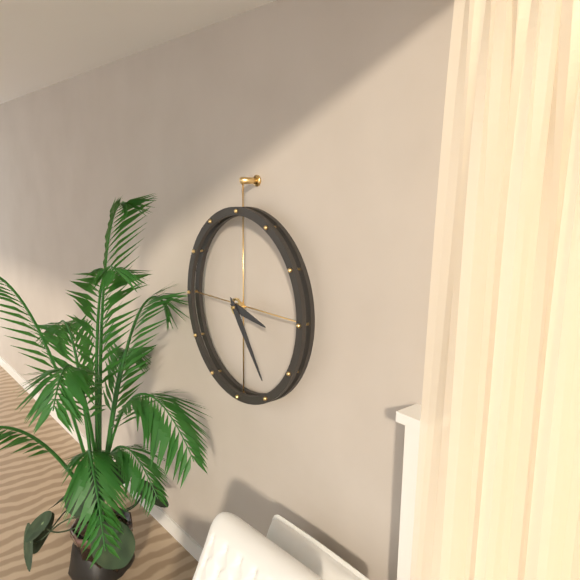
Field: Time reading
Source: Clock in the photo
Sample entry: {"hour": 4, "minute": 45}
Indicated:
{"hour": 3, "minute": 24}
